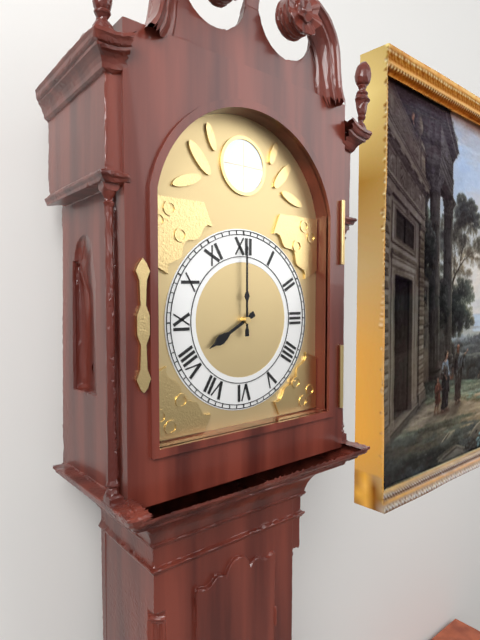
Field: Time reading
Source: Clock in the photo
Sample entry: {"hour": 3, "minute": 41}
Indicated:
{"hour": 8, "minute": 0}
